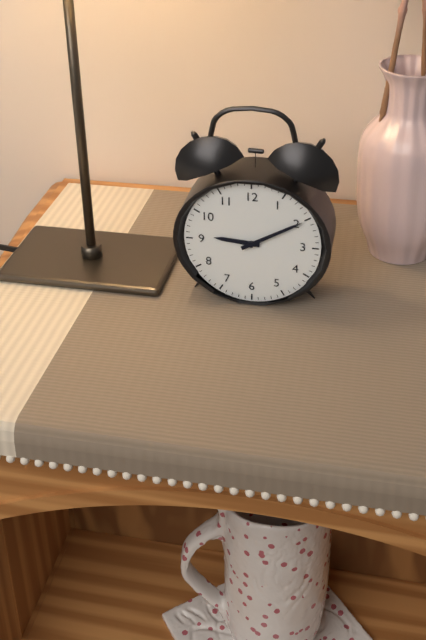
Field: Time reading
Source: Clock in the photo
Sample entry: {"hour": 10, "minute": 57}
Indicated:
{"hour": 9, "minute": 10}
